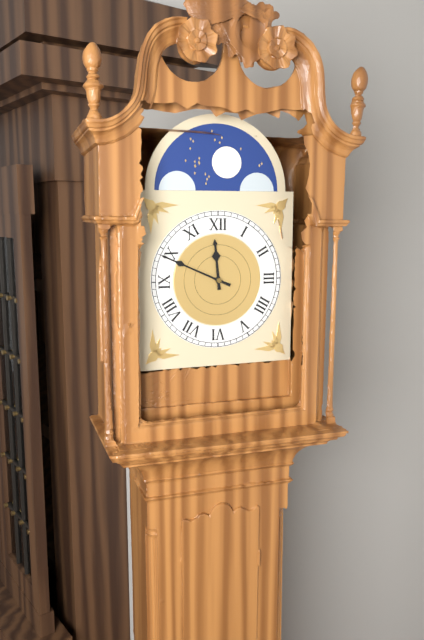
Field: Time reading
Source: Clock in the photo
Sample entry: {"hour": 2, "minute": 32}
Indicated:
{"hour": 11, "minute": 49}
